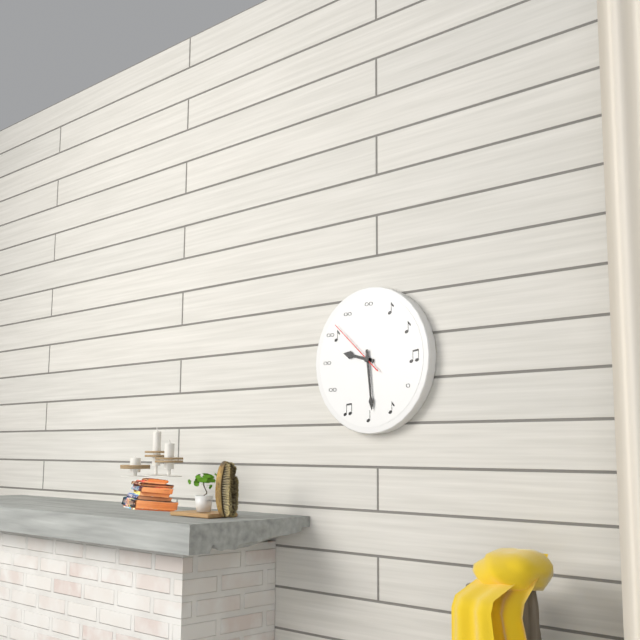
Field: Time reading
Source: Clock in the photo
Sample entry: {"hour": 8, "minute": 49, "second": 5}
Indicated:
{"hour": 9, "minute": 29, "second": 52}
